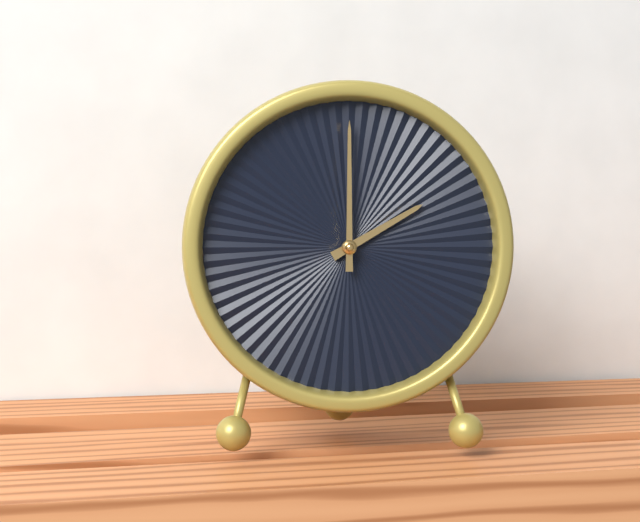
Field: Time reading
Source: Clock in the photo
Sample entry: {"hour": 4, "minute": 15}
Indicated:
{"hour": 2, "minute": 0}
